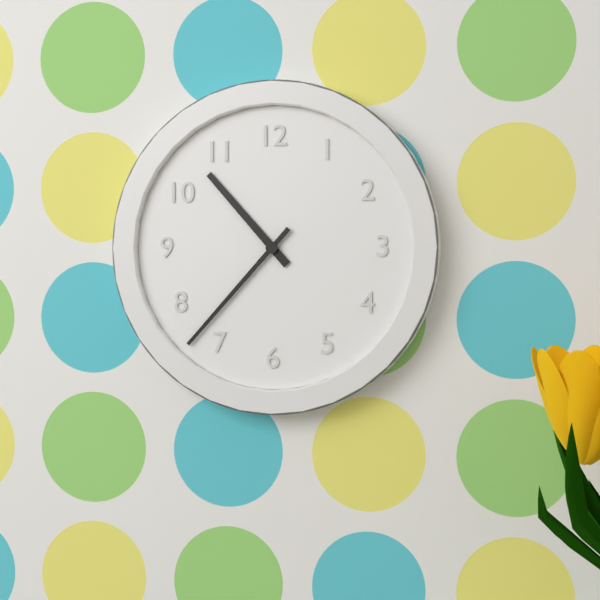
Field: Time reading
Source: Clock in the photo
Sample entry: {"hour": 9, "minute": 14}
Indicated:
{"hour": 10, "minute": 37}
